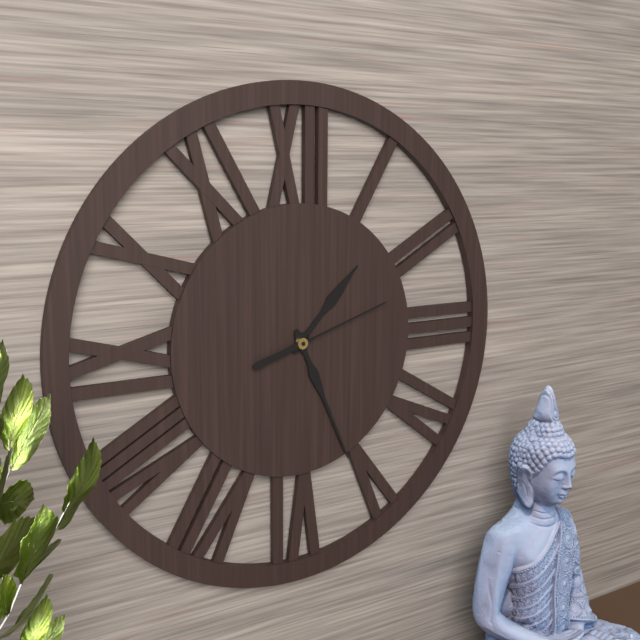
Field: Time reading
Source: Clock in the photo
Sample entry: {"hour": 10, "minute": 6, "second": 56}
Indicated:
{"hour": 1, "minute": 26, "second": 12}
